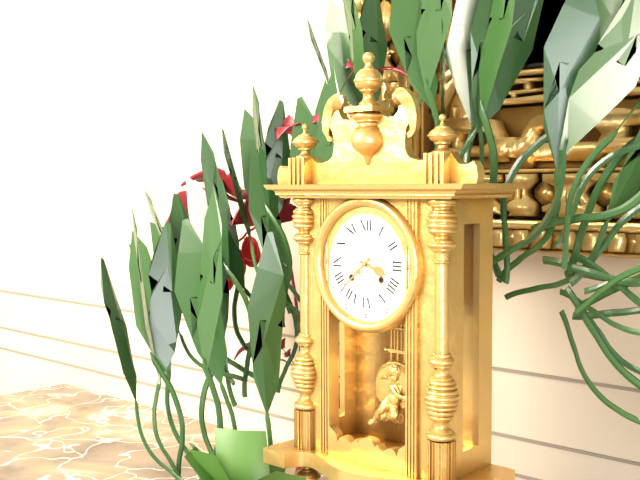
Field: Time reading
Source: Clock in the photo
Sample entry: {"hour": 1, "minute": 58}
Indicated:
{"hour": 3, "minute": 38}
